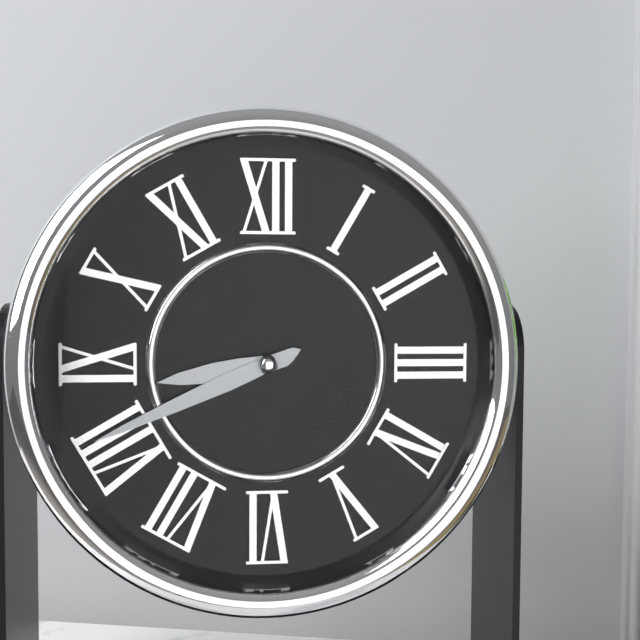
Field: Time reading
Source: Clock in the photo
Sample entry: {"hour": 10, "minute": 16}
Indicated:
{"hour": 8, "minute": 41}
